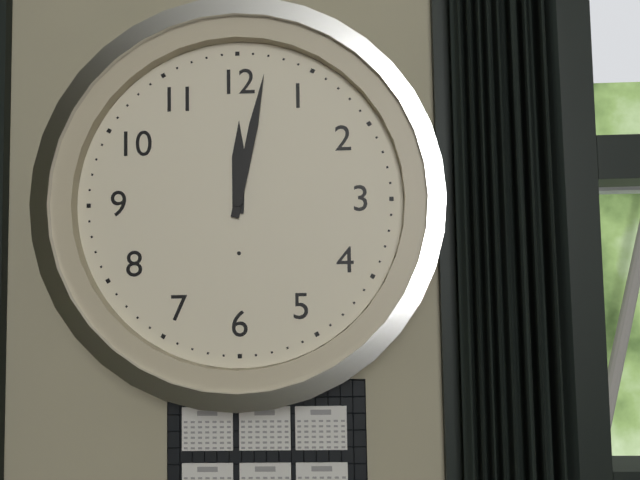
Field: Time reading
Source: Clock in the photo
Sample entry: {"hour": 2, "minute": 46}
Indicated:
{"hour": 12, "minute": 2}
